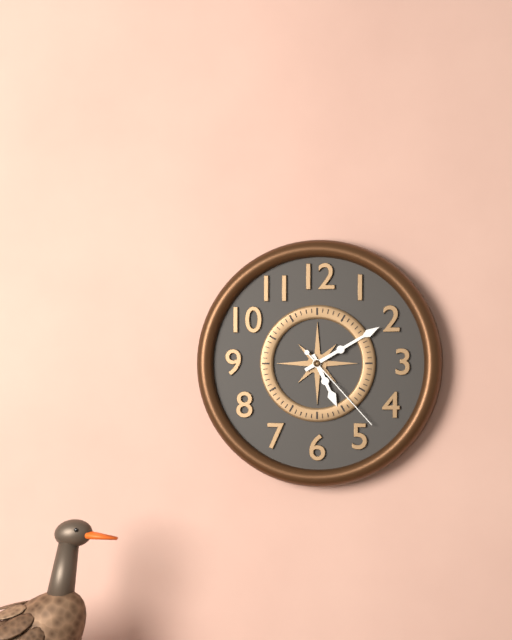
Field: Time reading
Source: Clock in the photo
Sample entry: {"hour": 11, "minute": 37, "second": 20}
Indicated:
{"hour": 5, "minute": 10, "second": 23}
